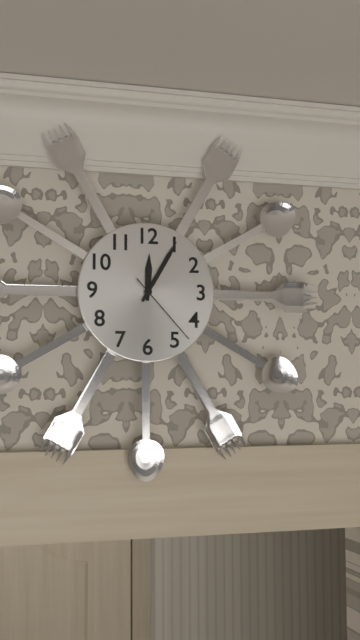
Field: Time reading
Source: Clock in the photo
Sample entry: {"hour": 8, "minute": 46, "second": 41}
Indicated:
{"hour": 12, "minute": 5, "second": 23}
